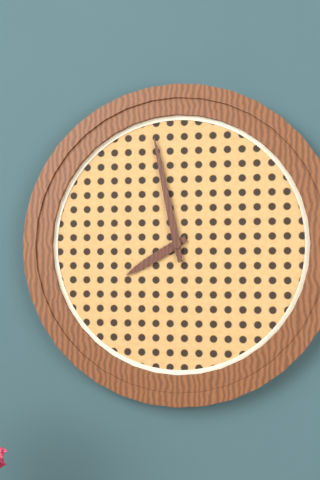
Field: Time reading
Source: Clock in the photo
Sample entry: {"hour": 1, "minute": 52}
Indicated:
{"hour": 7, "minute": 58}
